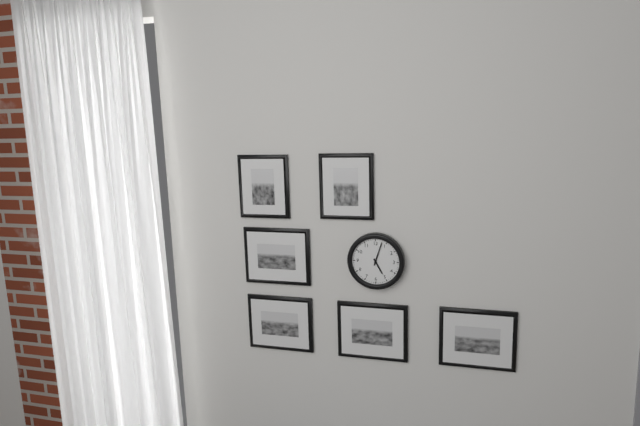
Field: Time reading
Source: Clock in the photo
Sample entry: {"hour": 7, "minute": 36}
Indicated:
{"hour": 5, "minute": 3}
